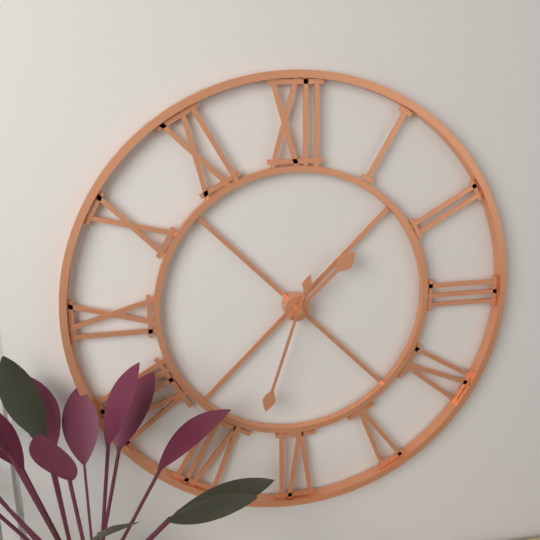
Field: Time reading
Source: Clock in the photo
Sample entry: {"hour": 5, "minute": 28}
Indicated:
{"hour": 1, "minute": 33}
